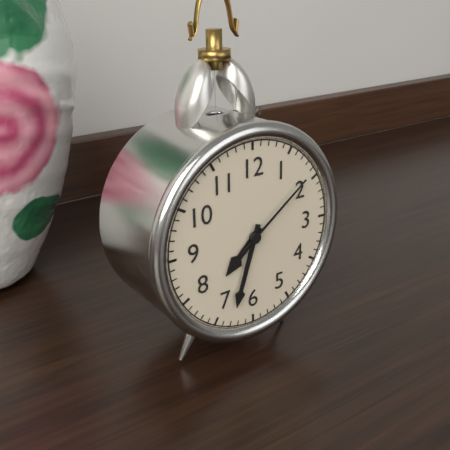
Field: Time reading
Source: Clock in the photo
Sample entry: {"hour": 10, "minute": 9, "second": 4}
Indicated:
{"hour": 7, "minute": 33, "second": 9}
